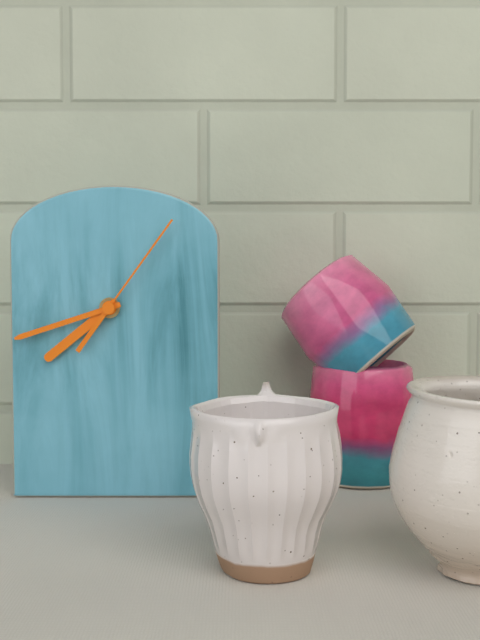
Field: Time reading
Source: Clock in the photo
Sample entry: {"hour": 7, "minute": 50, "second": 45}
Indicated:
{"hour": 7, "minute": 42, "second": 6}
